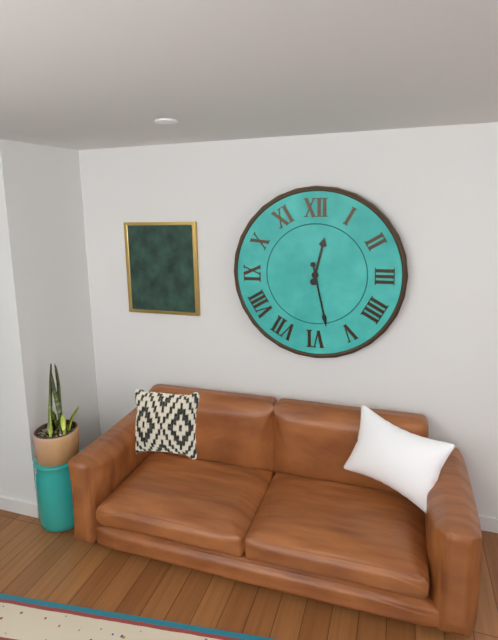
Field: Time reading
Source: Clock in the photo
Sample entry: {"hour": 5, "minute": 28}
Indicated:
{"hour": 12, "minute": 28}
